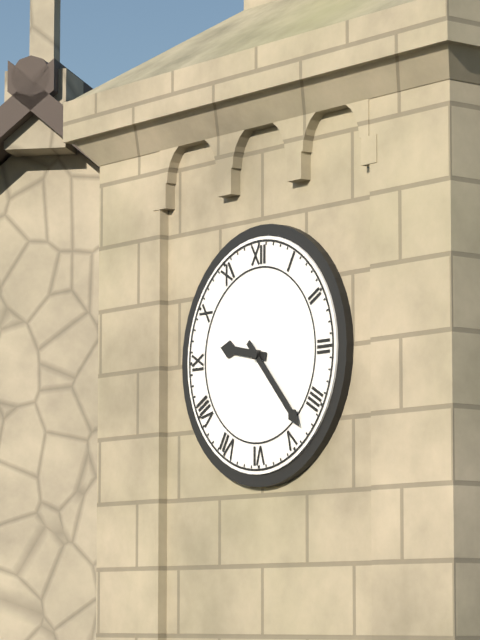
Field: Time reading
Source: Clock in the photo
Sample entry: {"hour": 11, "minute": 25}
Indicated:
{"hour": 9, "minute": 23}
